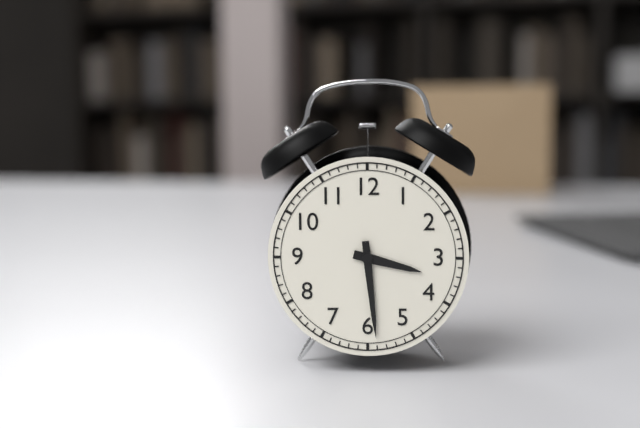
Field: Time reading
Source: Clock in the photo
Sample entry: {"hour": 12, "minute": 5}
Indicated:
{"hour": 3, "minute": 29}
